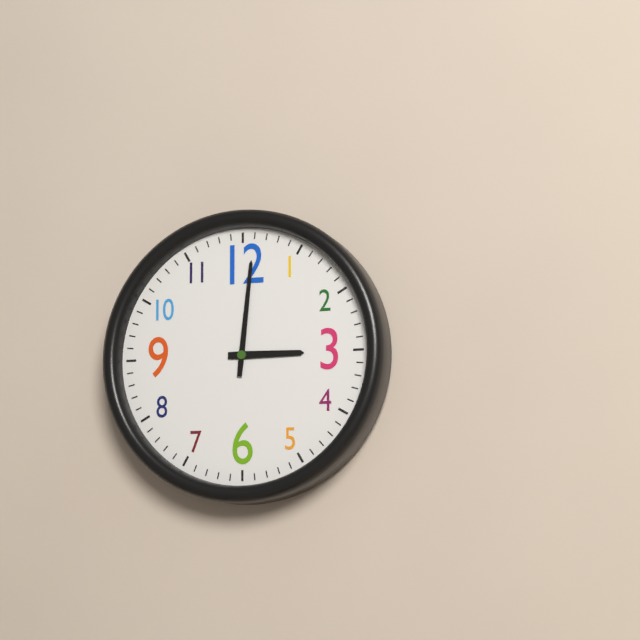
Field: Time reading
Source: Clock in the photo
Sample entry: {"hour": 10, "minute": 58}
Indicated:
{"hour": 3, "minute": 1}
